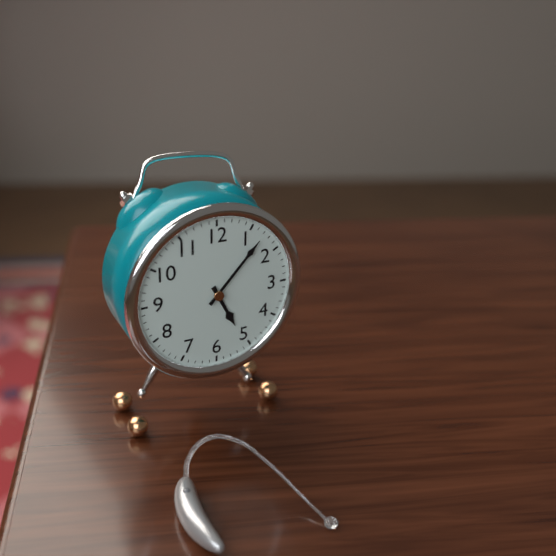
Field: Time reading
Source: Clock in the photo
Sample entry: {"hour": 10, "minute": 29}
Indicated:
{"hour": 5, "minute": 7}
